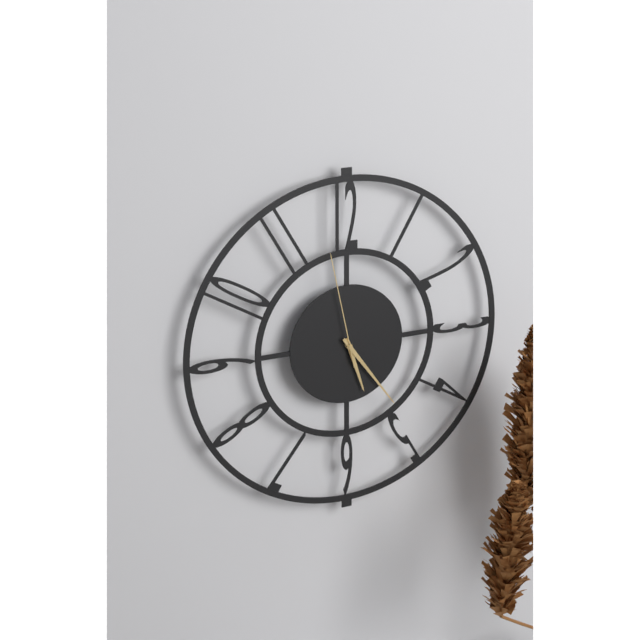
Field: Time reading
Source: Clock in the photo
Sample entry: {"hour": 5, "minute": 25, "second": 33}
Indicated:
{"hour": 5, "minute": 24, "second": 58}
